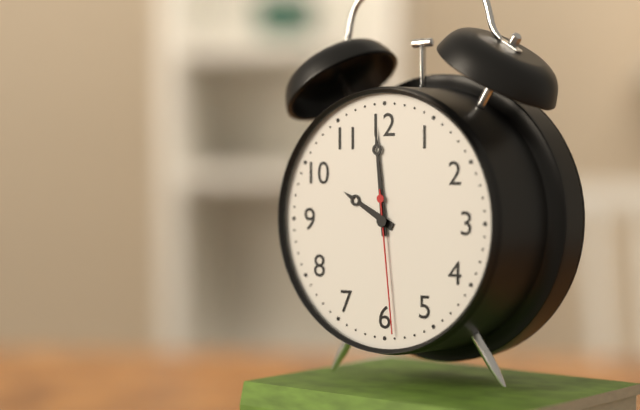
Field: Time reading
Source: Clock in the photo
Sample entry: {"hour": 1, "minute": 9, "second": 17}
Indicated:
{"hour": 9, "minute": 59, "second": 29}
